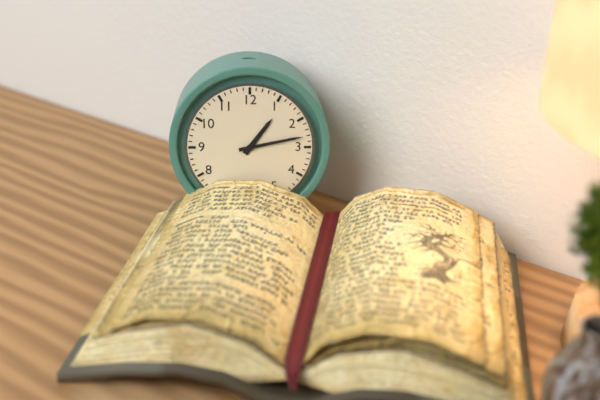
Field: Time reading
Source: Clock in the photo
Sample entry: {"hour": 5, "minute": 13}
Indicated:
{"hour": 1, "minute": 13}
